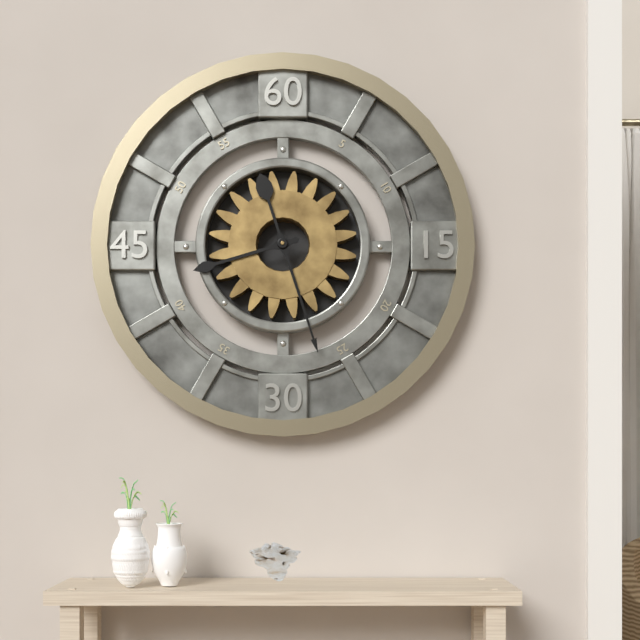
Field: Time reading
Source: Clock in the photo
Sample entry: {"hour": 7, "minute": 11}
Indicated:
{"hour": 8, "minute": 27}
